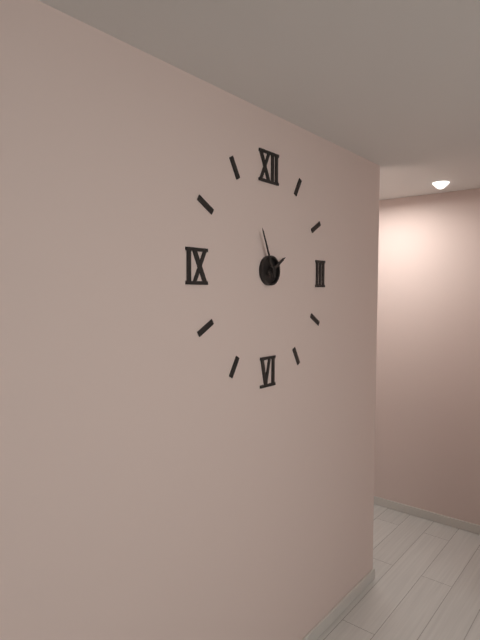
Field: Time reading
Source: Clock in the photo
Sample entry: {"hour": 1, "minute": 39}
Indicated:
{"hour": 1, "minute": 56}
